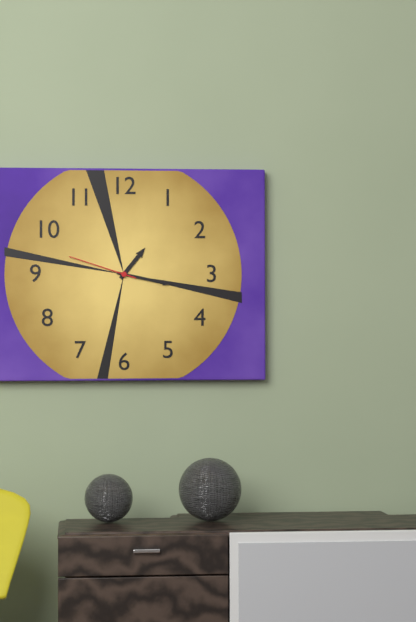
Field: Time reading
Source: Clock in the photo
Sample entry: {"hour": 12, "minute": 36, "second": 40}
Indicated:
{"hour": 1, "minute": 17, "second": 48}
